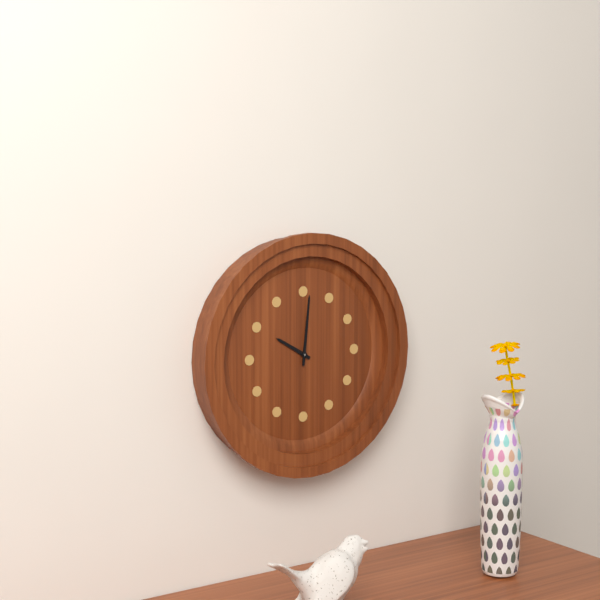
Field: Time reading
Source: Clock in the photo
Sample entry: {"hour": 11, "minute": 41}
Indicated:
{"hour": 10, "minute": 1}
